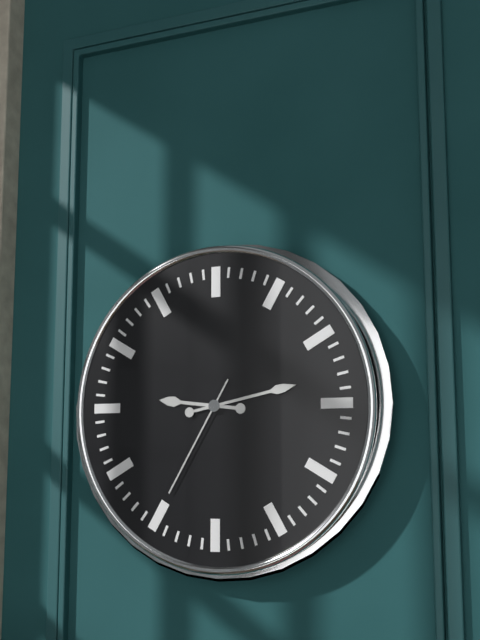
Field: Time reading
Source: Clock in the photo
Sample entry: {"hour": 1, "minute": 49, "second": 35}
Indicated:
{"hour": 9, "minute": 13, "second": 35}
